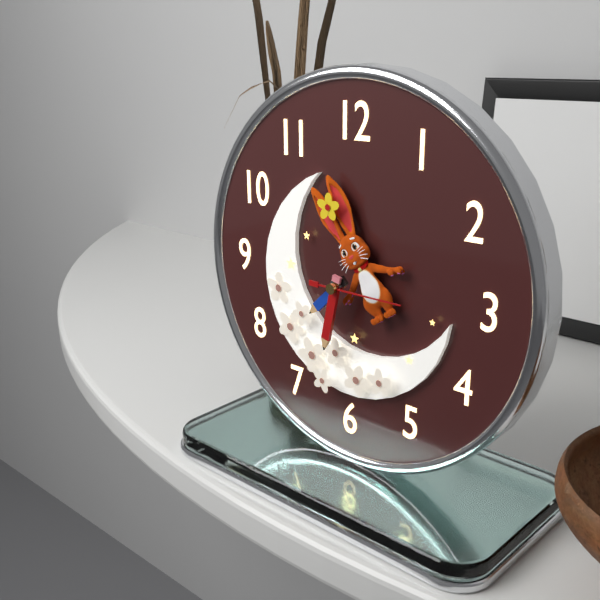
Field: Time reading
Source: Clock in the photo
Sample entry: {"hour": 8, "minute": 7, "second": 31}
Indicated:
{"hour": 7, "minute": 32, "second": 15}
